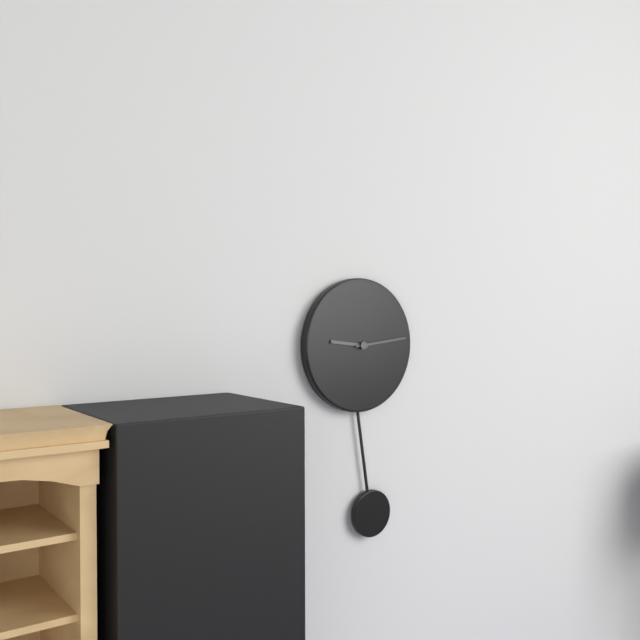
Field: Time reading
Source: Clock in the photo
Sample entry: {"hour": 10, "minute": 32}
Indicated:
{"hour": 9, "minute": 14}
